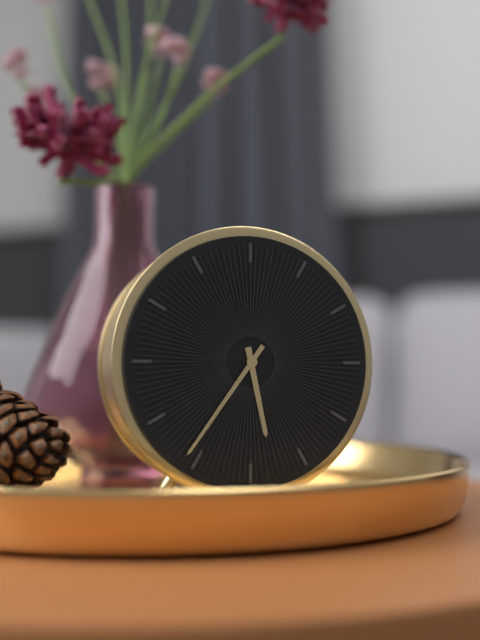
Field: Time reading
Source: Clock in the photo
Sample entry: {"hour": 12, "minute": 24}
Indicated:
{"hour": 5, "minute": 36}
